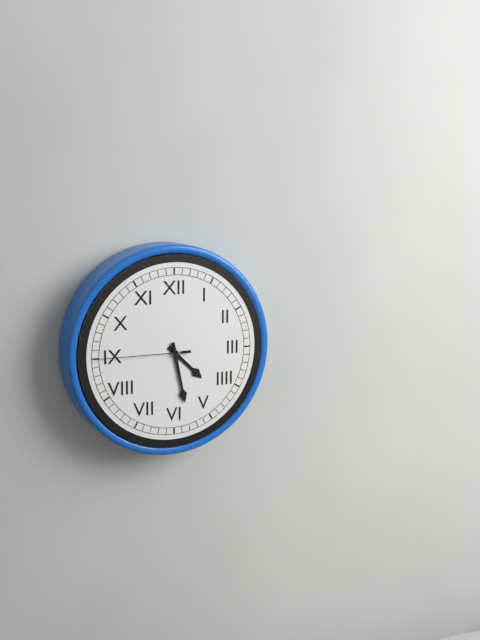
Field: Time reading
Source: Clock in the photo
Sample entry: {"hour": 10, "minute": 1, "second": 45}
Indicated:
{"hour": 4, "minute": 28, "second": 45}
